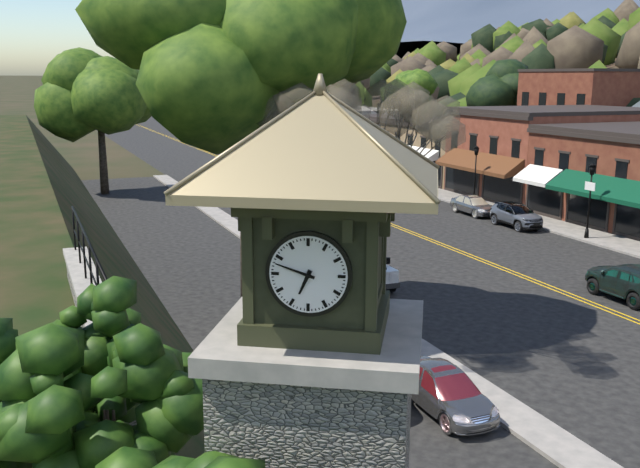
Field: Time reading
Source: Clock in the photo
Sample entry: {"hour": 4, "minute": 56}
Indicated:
{"hour": 6, "minute": 48}
